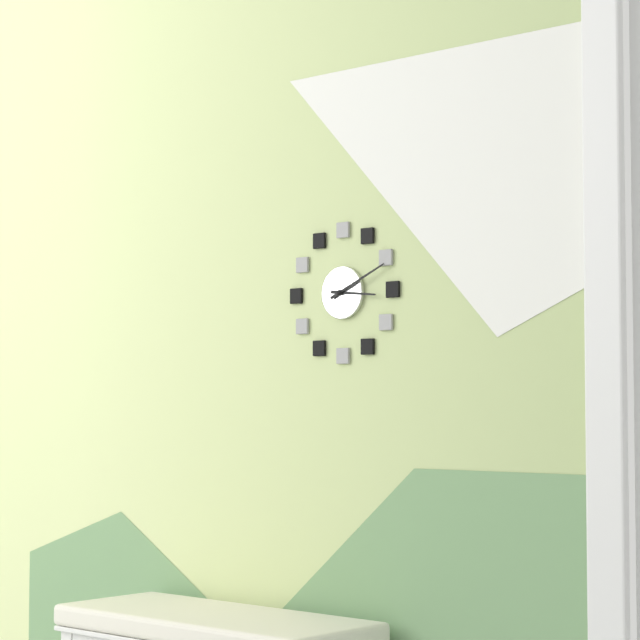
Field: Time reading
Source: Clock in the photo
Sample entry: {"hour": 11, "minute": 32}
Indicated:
{"hour": 3, "minute": 11}
